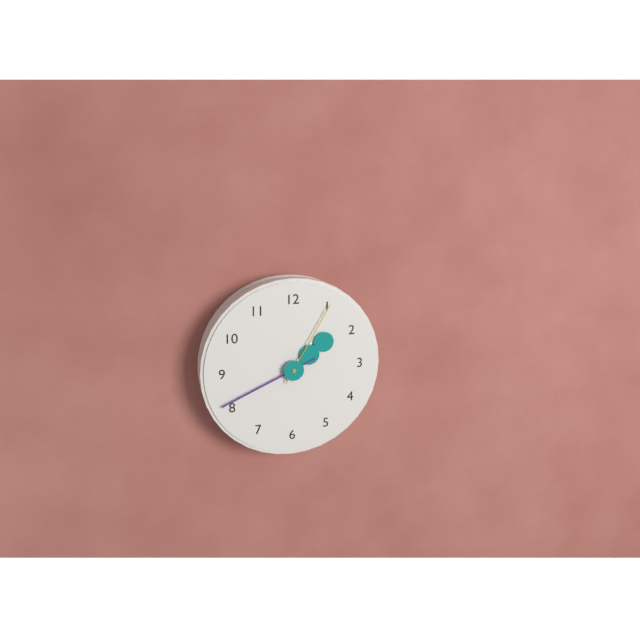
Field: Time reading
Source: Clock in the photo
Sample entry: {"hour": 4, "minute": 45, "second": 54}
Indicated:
{"hour": 1, "minute": 41, "second": 5}
